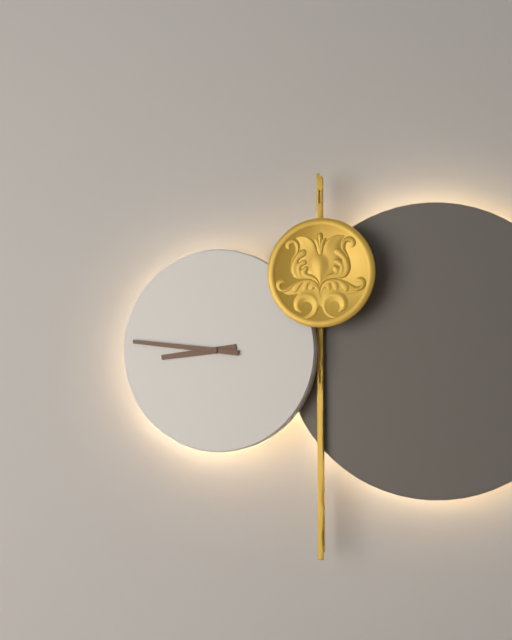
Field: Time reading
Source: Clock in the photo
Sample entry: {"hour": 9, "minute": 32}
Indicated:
{"hour": 8, "minute": 46}
